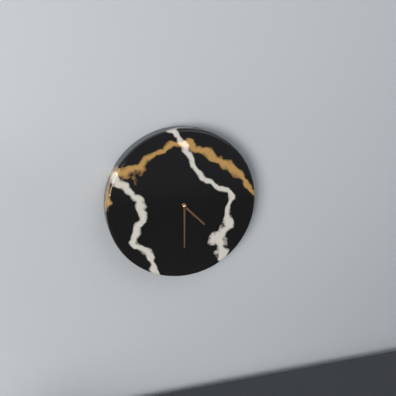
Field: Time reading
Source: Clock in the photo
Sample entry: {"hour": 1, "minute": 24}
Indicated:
{"hour": 4, "minute": 30}
